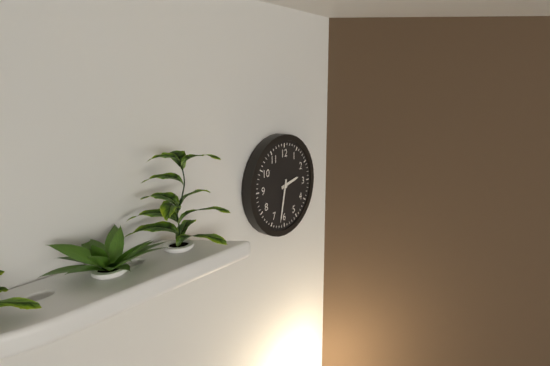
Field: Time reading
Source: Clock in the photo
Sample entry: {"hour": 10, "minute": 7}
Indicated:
{"hour": 2, "minute": 32}
